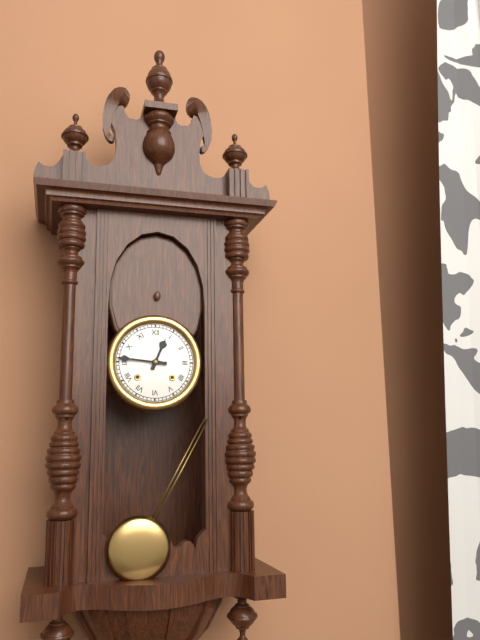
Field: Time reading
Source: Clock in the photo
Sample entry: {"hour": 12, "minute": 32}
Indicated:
{"hour": 12, "minute": 46}
